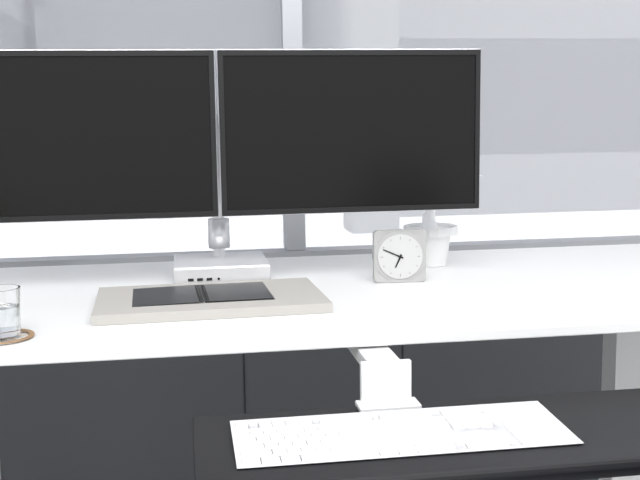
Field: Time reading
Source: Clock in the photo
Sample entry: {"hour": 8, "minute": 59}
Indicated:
{"hour": 6, "minute": 49}
